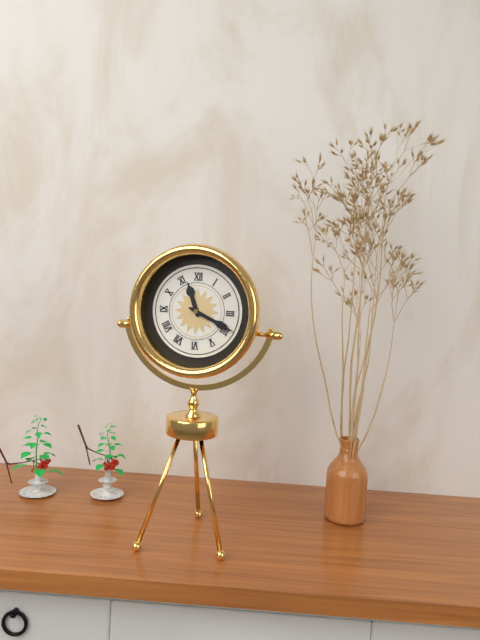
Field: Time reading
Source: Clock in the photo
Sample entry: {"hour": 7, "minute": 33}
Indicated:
{"hour": 11, "minute": 19}
